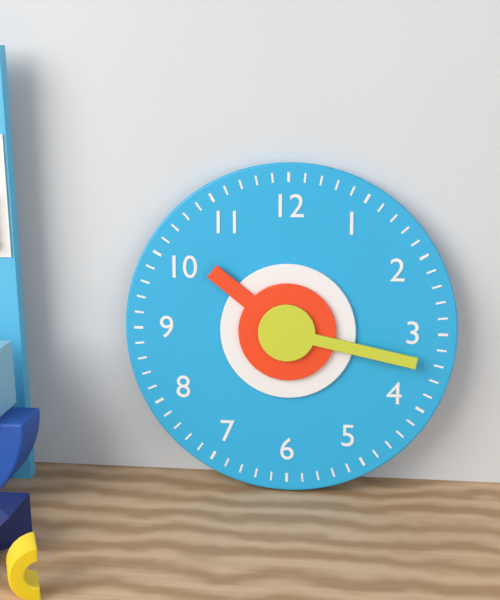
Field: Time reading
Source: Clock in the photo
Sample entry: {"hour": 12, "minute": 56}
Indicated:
{"hour": 10, "minute": 17}
